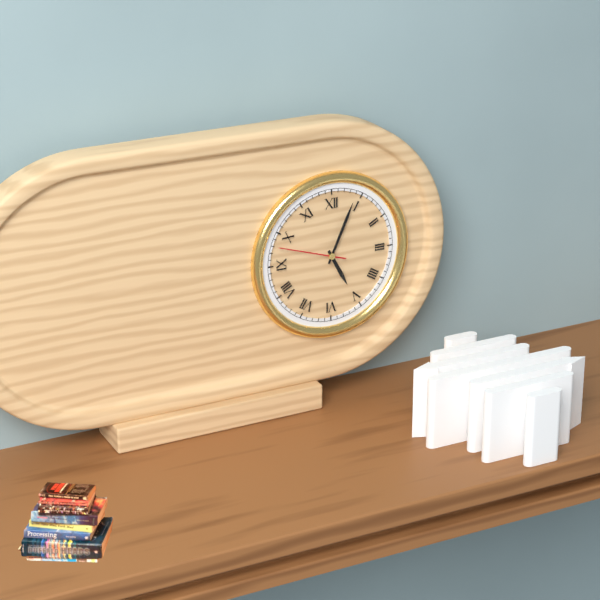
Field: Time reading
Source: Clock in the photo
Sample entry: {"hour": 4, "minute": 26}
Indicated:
{"hour": 5, "minute": 4}
